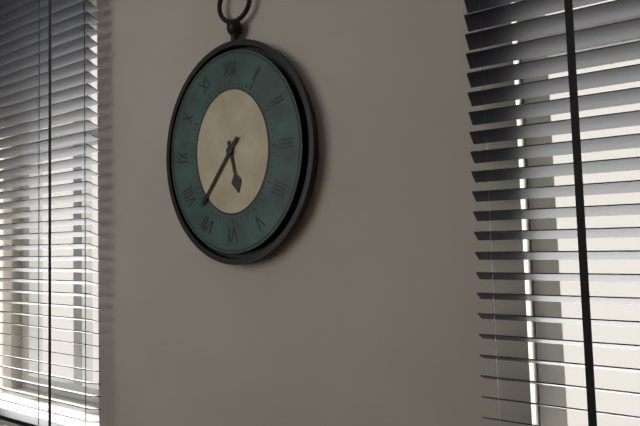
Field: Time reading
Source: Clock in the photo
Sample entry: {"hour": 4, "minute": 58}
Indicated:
{"hour": 5, "minute": 36}
